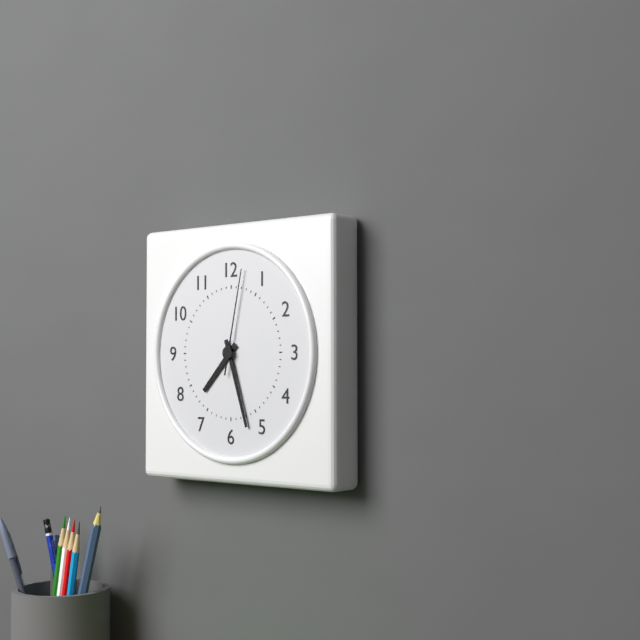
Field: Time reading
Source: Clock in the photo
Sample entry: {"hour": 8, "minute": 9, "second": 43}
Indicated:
{"hour": 7, "minute": 27, "second": 2}
